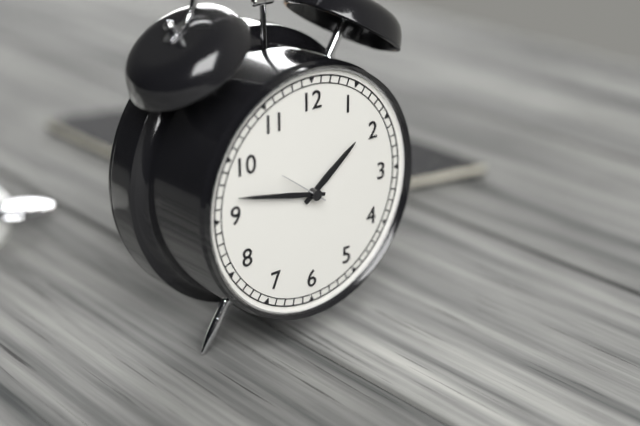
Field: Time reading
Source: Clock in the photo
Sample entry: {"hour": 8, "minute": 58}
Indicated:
{"hour": 1, "minute": 47}
